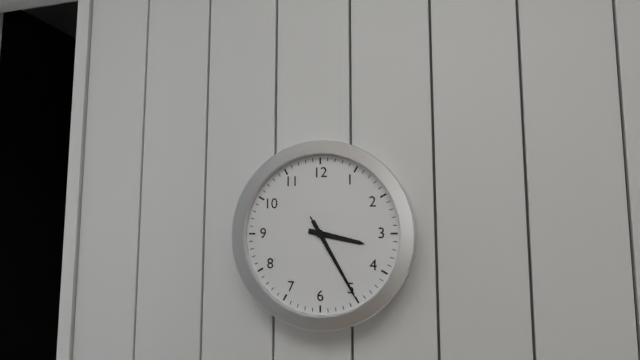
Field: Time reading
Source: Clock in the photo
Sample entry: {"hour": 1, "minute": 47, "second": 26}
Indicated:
{"hour": 3, "minute": 25, "second": 25}
